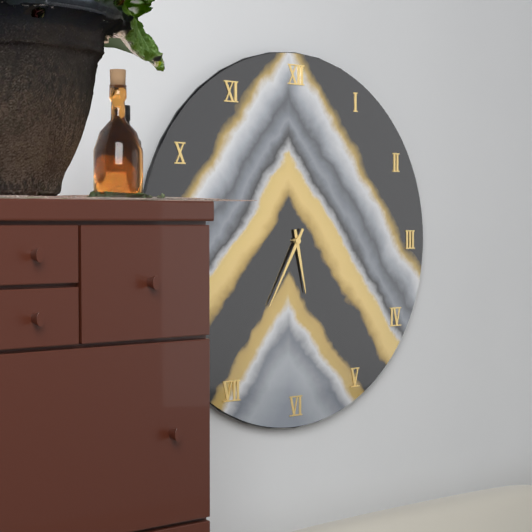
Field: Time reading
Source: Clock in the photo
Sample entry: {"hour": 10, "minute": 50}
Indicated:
{"hour": 5, "minute": 35}
